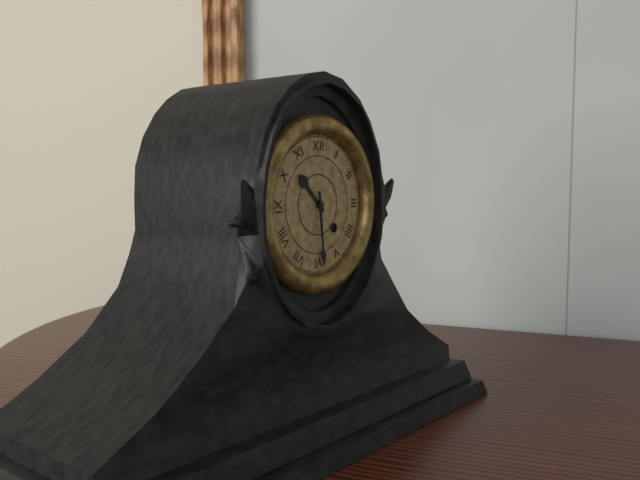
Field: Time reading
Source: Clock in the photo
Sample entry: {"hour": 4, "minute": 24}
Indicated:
{"hour": 10, "minute": 29}
